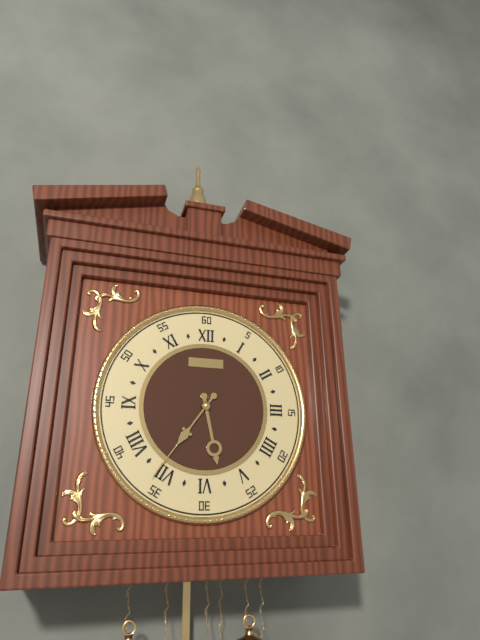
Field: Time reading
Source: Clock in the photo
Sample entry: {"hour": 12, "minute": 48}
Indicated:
{"hour": 5, "minute": 36}
